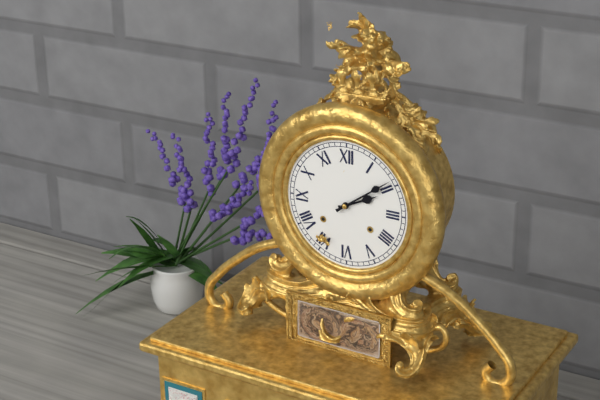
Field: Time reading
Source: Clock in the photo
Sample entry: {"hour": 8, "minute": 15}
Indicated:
{"hour": 2, "minute": 9}
